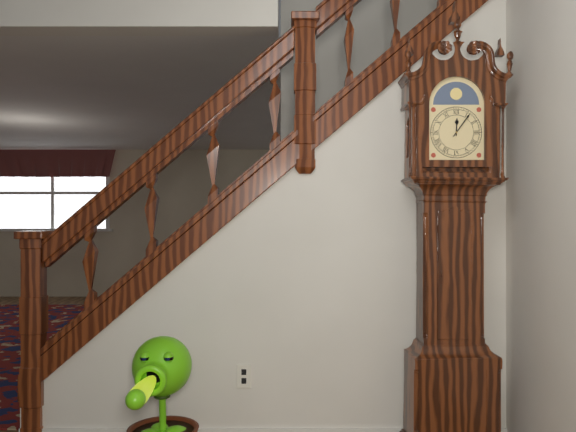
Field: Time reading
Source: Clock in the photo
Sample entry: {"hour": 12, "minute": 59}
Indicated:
{"hour": 12, "minute": 6}
